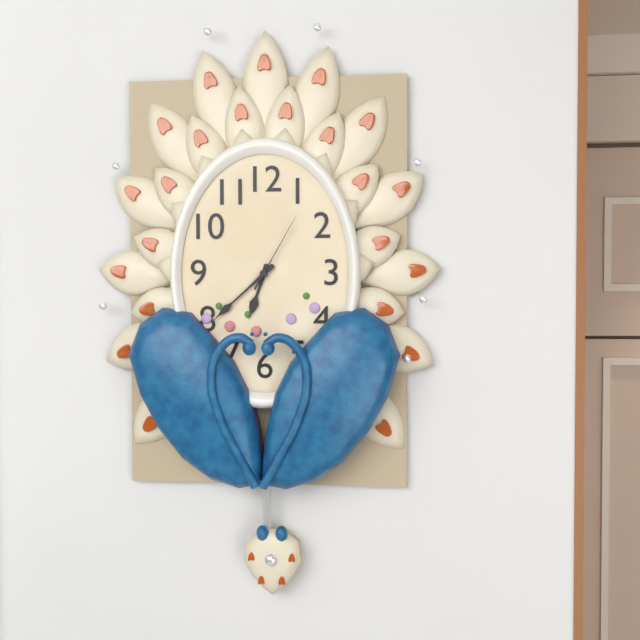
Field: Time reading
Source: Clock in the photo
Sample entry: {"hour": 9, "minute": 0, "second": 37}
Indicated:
{"hour": 6, "minute": 38, "second": 5}
